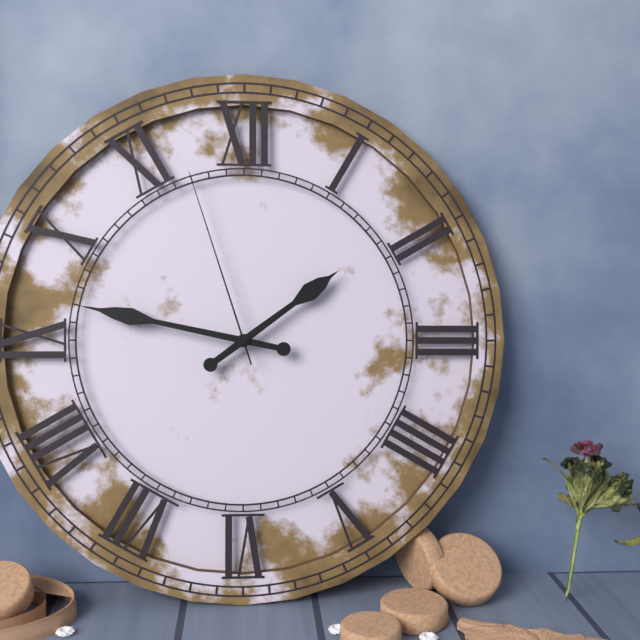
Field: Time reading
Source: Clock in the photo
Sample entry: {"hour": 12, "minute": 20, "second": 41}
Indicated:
{"hour": 1, "minute": 47, "second": 57}
